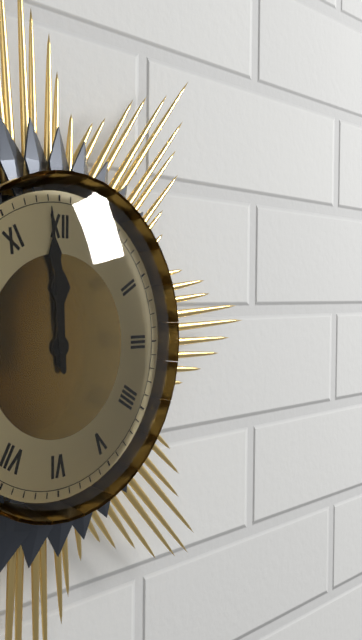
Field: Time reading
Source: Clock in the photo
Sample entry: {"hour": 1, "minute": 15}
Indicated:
{"hour": 11, "minute": 59}
